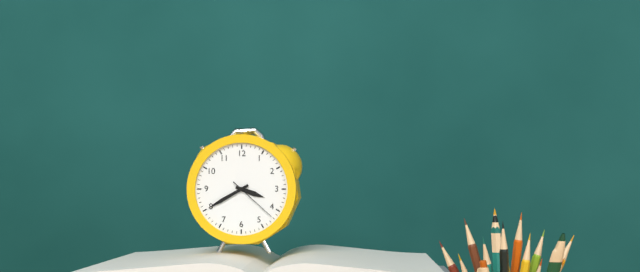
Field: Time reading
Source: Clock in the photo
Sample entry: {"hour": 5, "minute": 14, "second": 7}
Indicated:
{"hour": 3, "minute": 40, "second": 22}
